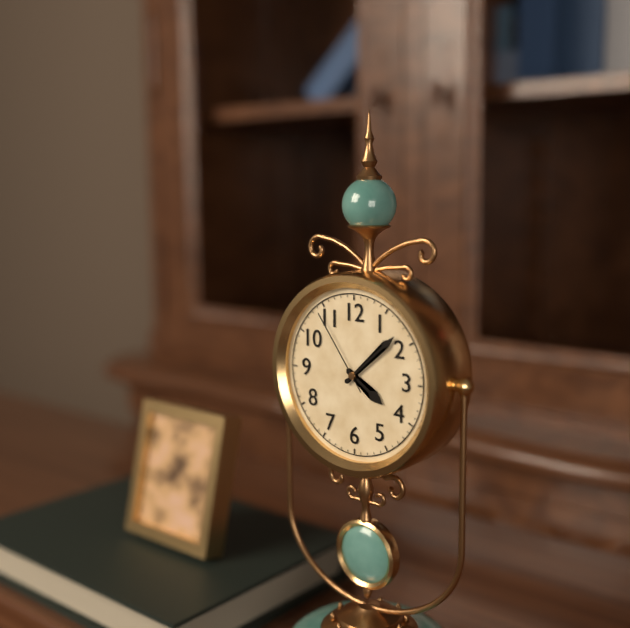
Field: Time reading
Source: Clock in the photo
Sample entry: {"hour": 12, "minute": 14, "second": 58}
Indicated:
{"hour": 4, "minute": 8, "second": 54}
